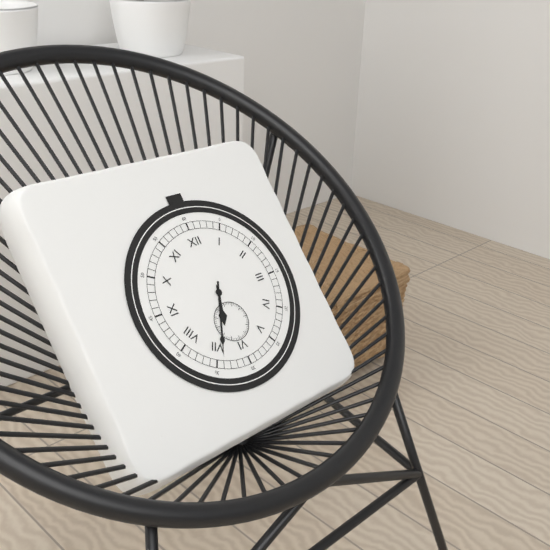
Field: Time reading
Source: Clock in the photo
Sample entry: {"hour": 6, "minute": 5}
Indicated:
{"hour": 6, "minute": 34}
